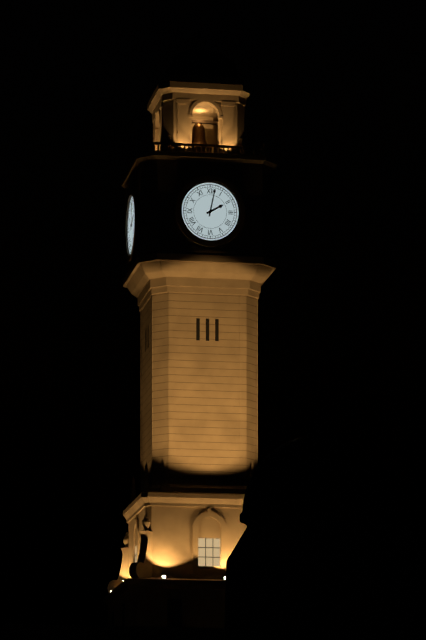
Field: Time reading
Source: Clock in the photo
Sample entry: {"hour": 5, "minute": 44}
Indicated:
{"hour": 2, "minute": 2}
